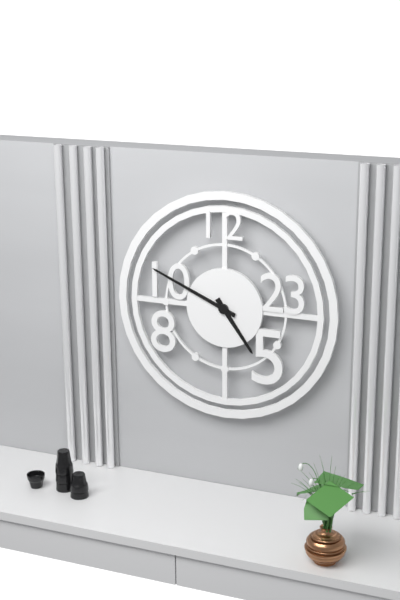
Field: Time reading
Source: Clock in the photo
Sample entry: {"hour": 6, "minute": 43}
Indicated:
{"hour": 4, "minute": 49}
